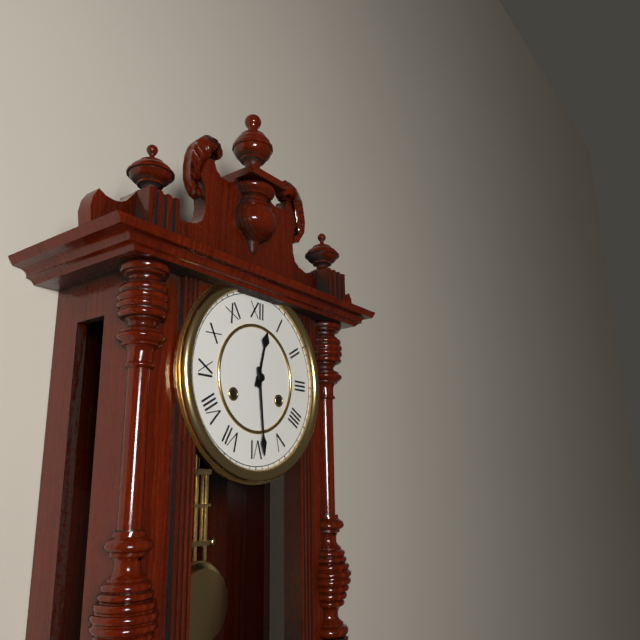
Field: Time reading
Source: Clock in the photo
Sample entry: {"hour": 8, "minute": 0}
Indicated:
{"hour": 12, "minute": 29}
